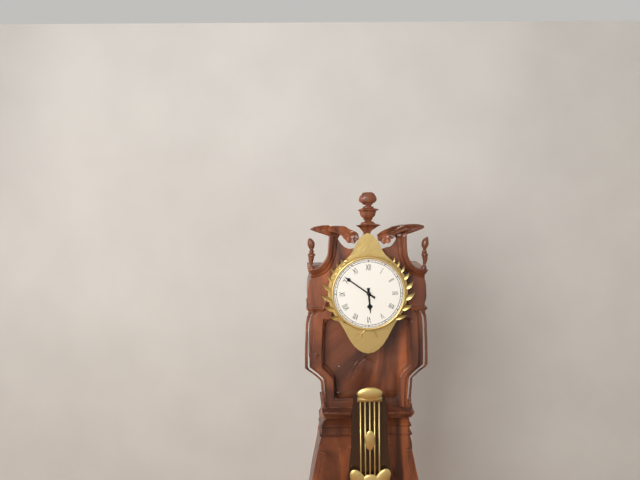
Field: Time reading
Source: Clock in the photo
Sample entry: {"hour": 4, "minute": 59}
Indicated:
{"hour": 5, "minute": 51}
